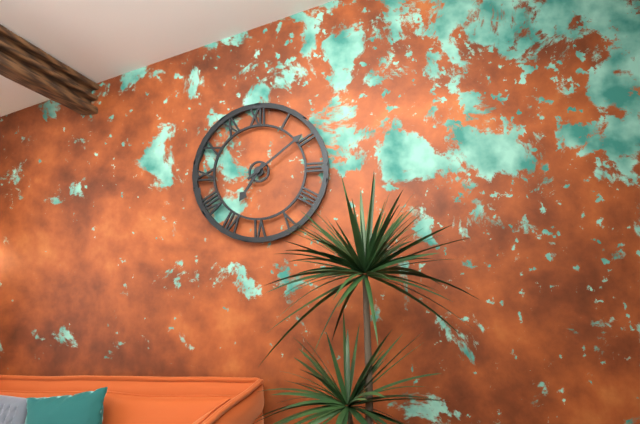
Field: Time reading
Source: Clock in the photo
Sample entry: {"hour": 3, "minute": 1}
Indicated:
{"hour": 7, "minute": 9}
